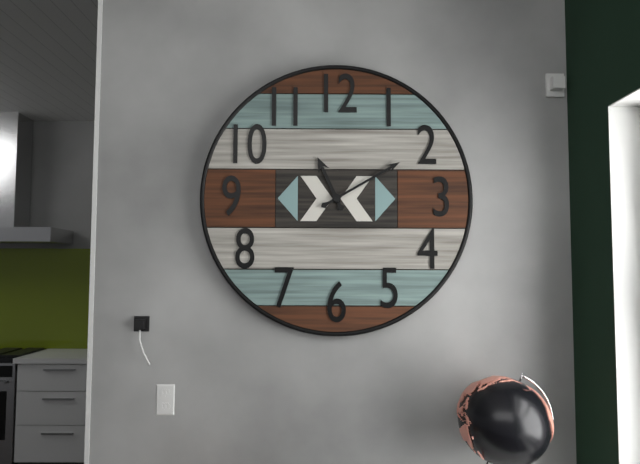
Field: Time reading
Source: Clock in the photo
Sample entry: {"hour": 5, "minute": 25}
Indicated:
{"hour": 11, "minute": 10}
